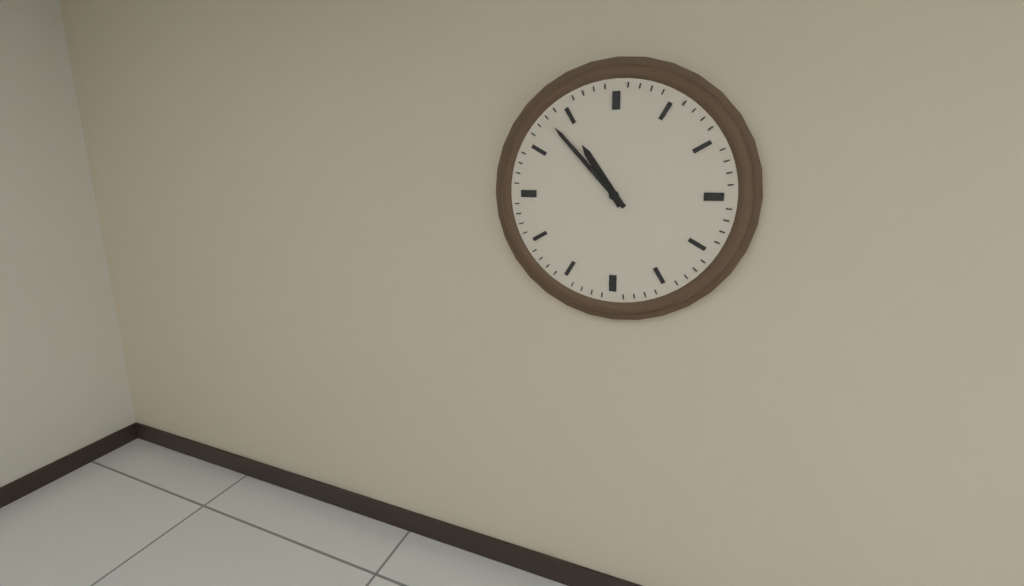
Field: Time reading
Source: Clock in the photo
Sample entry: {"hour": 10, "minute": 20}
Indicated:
{"hour": 10, "minute": 53}
